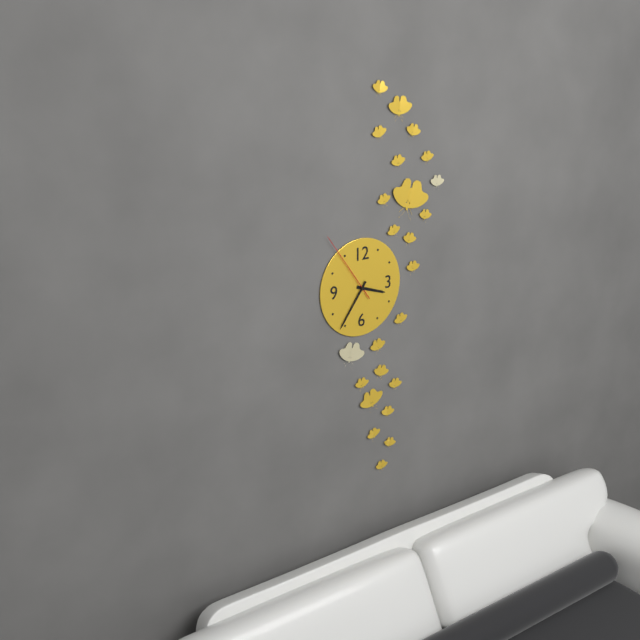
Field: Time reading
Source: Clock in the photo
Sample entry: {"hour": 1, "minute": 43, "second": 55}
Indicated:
{"hour": 3, "minute": 36, "second": 54}
